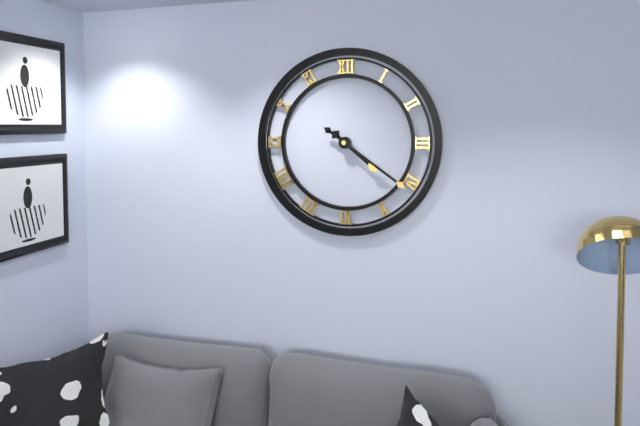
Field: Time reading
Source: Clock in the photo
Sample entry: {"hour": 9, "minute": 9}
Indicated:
{"hour": 4, "minute": 21}
